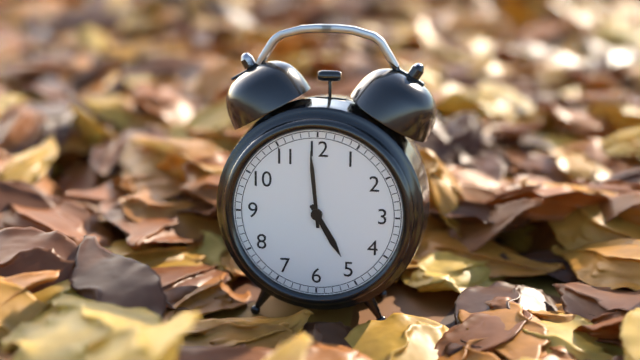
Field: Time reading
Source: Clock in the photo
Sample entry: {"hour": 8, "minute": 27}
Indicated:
{"hour": 4, "minute": 59}
